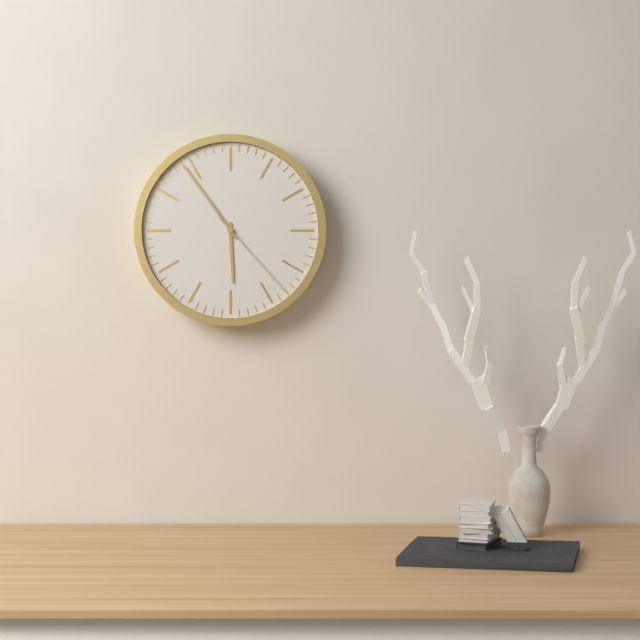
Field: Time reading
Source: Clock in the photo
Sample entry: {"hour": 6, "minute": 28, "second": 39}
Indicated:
{"hour": 5, "minute": 54, "second": 23}
